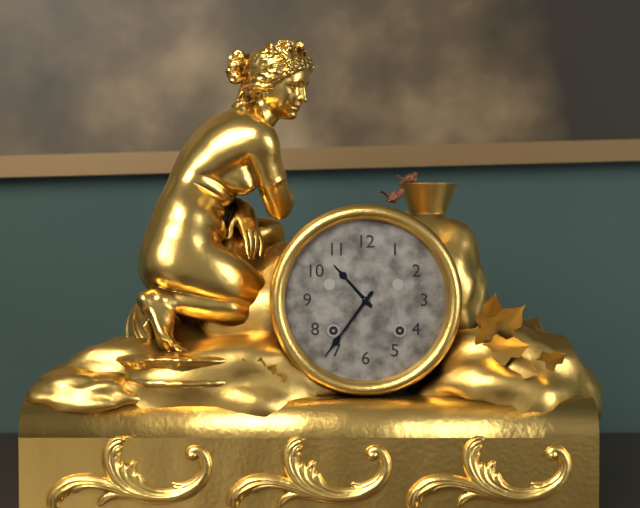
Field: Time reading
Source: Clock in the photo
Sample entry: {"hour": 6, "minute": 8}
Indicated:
{"hour": 10, "minute": 36}
